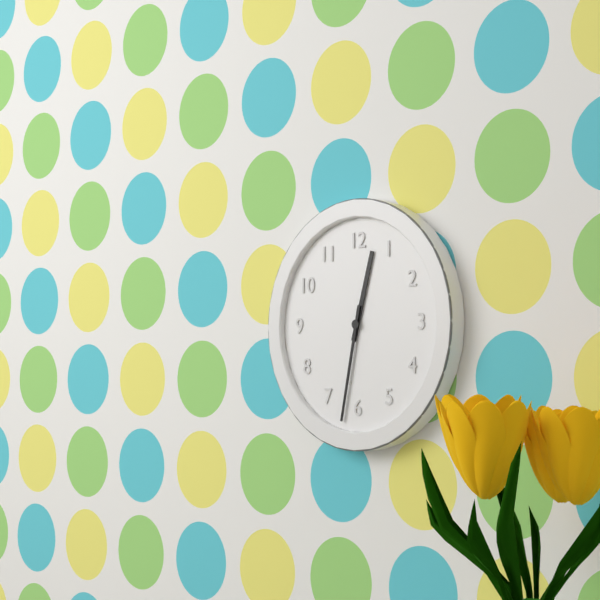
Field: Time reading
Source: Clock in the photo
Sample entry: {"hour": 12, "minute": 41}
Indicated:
{"hour": 12, "minute": 32}
